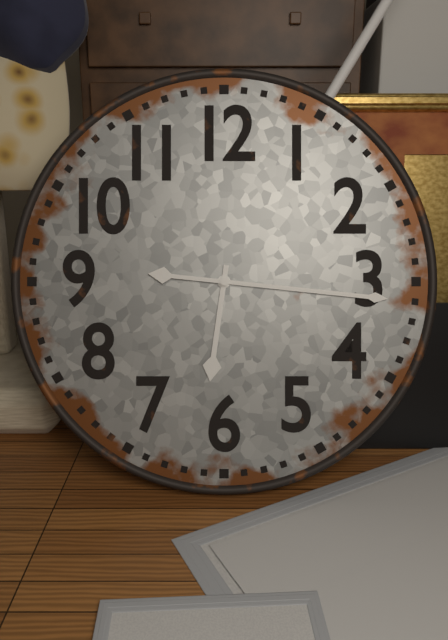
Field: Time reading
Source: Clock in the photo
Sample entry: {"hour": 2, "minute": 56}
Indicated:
{"hour": 6, "minute": 16}
